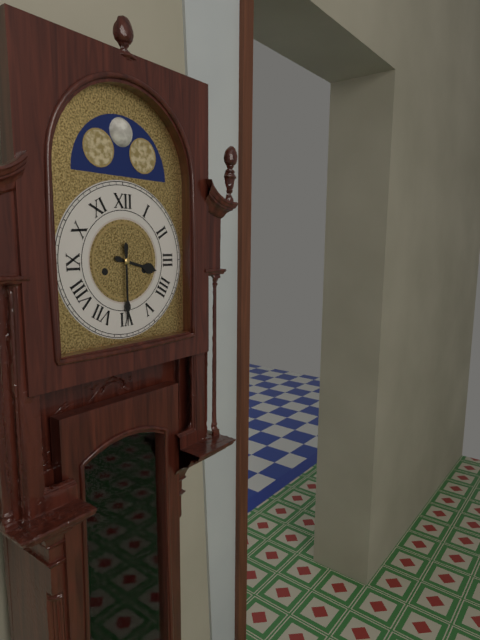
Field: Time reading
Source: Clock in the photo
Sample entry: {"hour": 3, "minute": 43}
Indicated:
{"hour": 3, "minute": 30}
